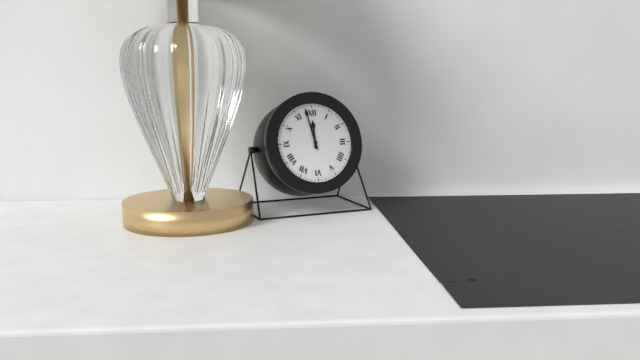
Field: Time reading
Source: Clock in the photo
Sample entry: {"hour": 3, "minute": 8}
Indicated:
{"hour": 11, "minute": 58}
